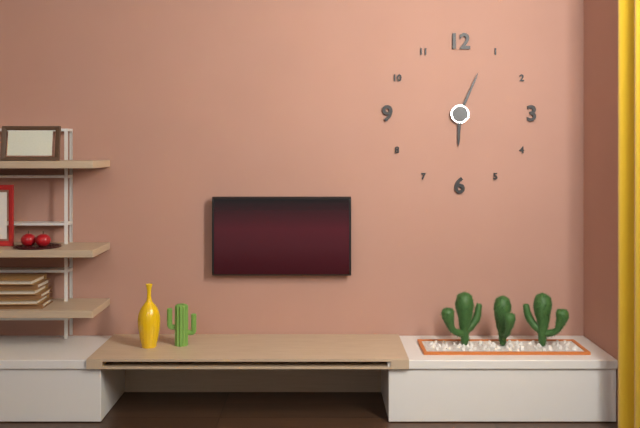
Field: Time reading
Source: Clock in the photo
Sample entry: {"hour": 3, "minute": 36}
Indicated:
{"hour": 6, "minute": 4}
